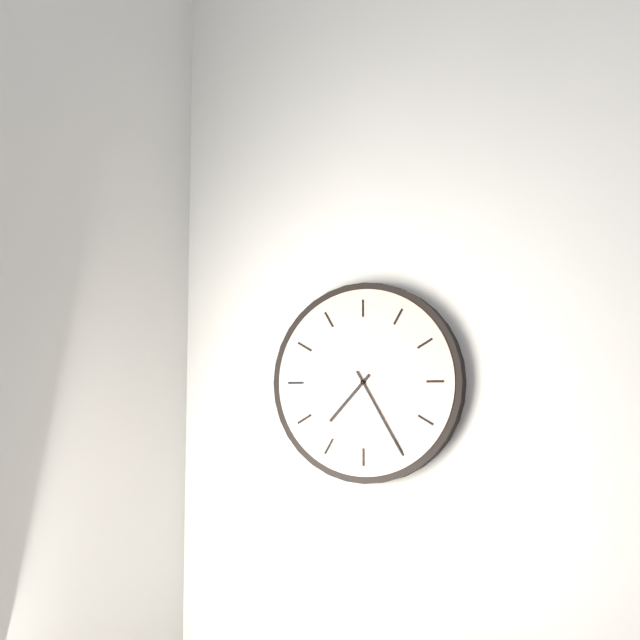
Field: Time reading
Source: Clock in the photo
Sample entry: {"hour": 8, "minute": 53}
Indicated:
{"hour": 7, "minute": 25}
